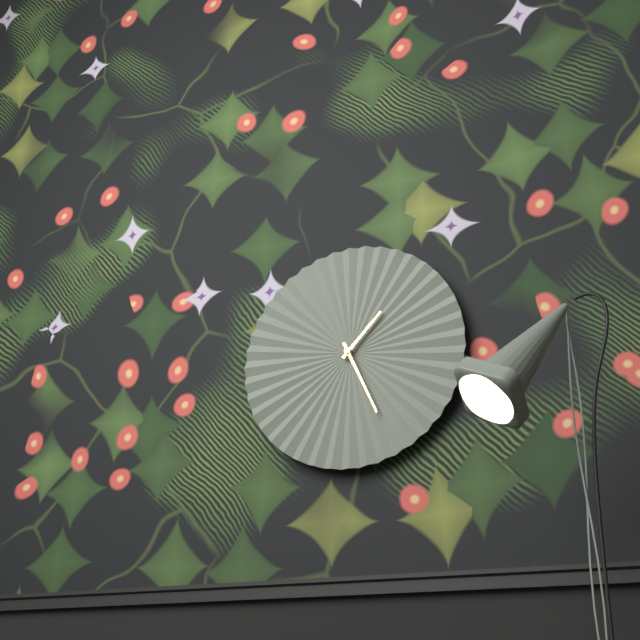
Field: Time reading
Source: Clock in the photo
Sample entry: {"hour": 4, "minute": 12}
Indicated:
{"hour": 1, "minute": 26}
